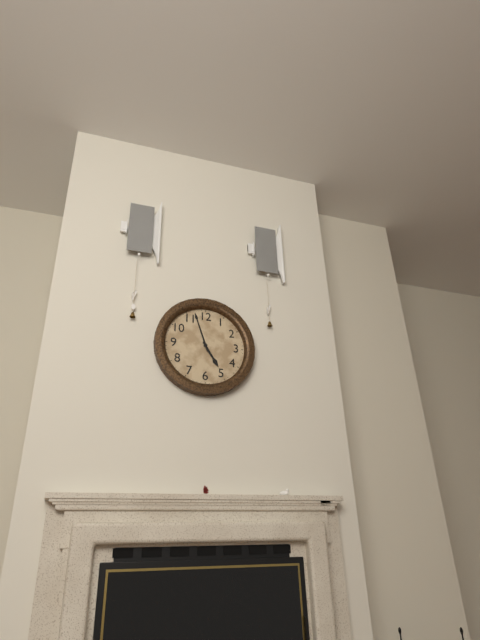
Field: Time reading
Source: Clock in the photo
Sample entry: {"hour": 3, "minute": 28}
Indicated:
{"hour": 4, "minute": 57}
